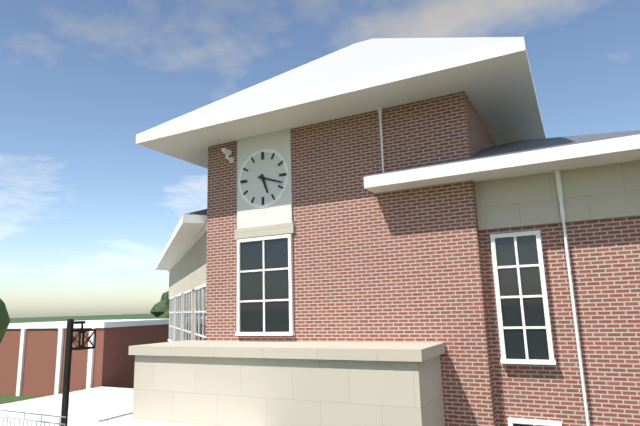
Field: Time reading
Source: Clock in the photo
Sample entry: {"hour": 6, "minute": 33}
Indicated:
{"hour": 5, "minute": 18}
